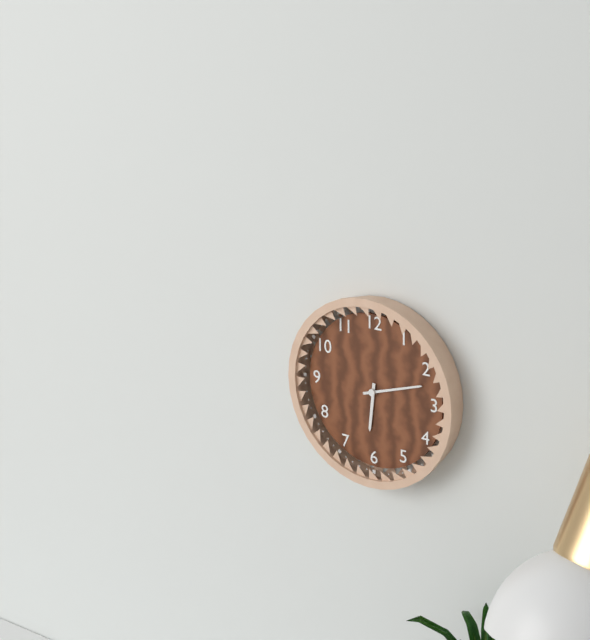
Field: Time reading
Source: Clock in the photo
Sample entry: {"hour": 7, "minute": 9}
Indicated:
{"hour": 6, "minute": 12}
